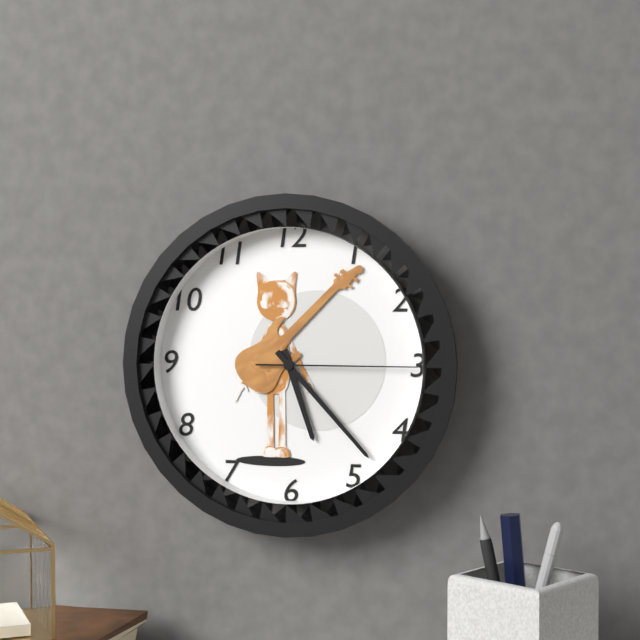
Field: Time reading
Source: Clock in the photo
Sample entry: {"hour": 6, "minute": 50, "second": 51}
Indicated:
{"hour": 5, "minute": 23, "second": 15}
